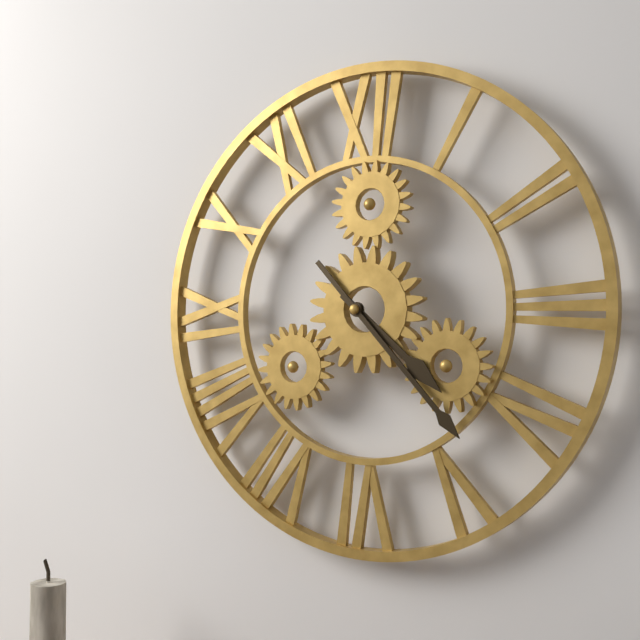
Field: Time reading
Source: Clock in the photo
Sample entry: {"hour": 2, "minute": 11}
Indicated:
{"hour": 4, "minute": 23}
